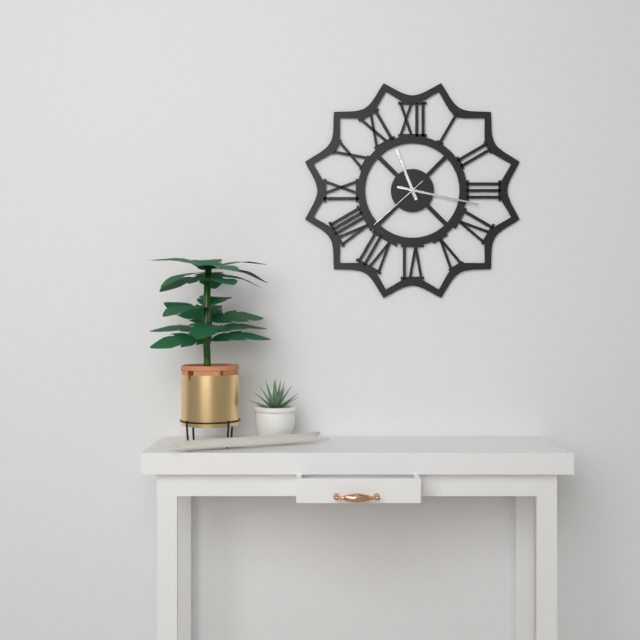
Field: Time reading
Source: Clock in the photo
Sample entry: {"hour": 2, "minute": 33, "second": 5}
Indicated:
{"hour": 11, "minute": 17, "second": 38}
